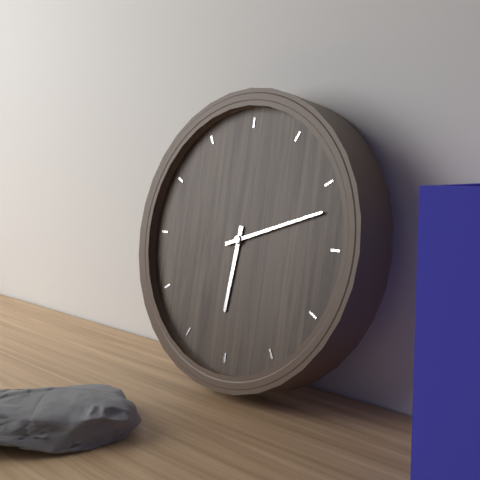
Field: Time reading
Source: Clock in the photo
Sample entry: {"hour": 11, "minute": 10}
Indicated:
{"hour": 6, "minute": 12}
